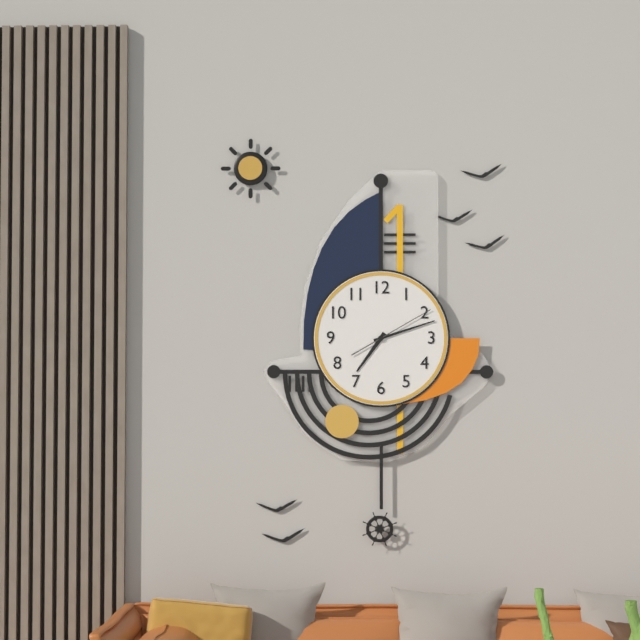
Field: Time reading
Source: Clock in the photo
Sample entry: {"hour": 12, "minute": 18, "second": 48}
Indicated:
{"hour": 7, "minute": 12, "second": 10}
